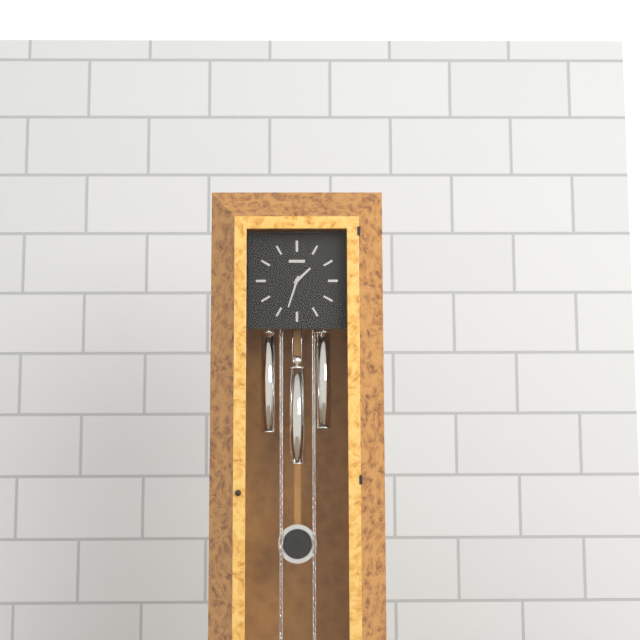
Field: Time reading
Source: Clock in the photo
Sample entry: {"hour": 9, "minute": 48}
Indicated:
{"hour": 1, "minute": 33}
